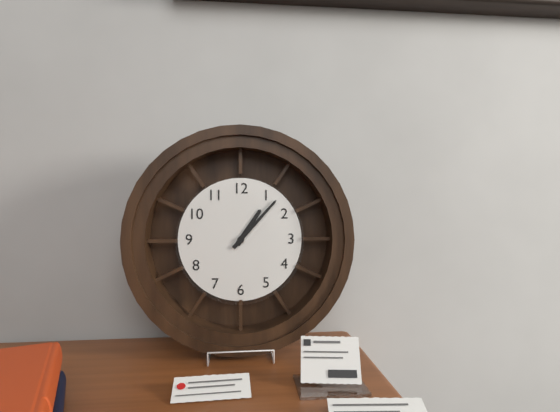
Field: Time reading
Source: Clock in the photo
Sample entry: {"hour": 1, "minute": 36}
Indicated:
{"hour": 1, "minute": 7}
